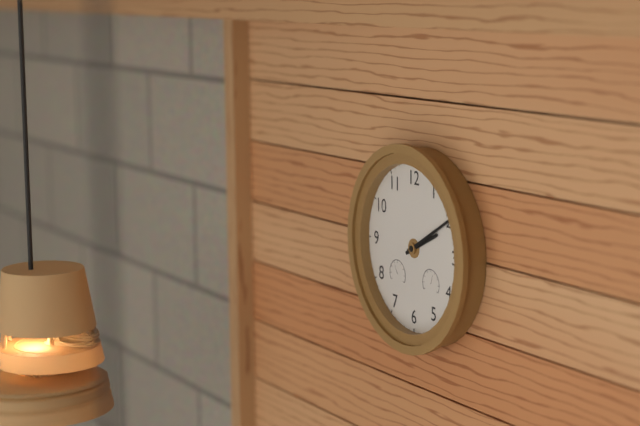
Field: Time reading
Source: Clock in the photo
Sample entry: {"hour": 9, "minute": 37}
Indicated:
{"hour": 2, "minute": 10}
